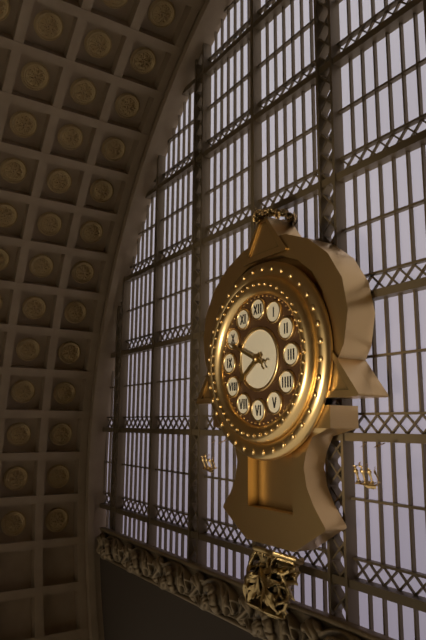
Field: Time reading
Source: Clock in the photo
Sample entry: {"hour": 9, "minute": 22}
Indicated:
{"hour": 7, "minute": 49}
